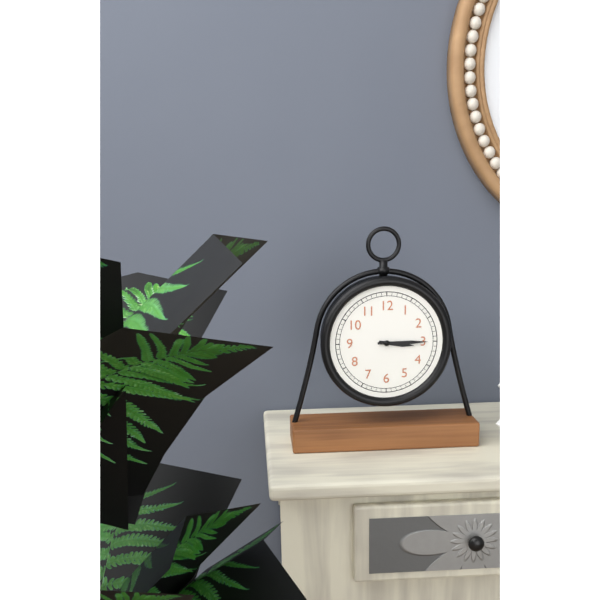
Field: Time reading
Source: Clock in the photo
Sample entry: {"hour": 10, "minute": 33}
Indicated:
{"hour": 3, "minute": 15}
